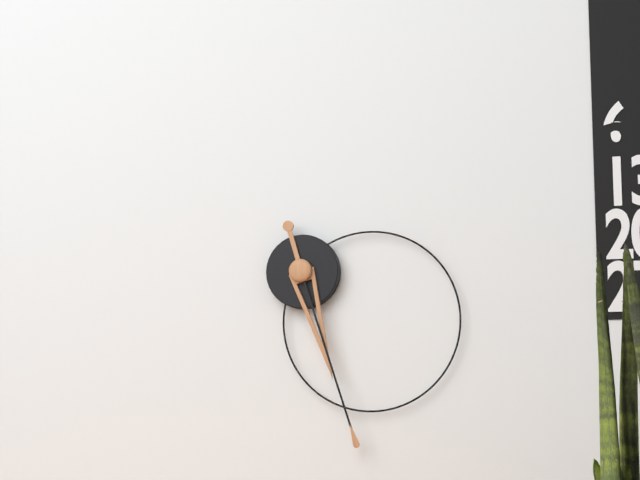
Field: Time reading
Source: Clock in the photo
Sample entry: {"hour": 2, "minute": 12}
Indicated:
{"hour": 5, "minute": 27}
